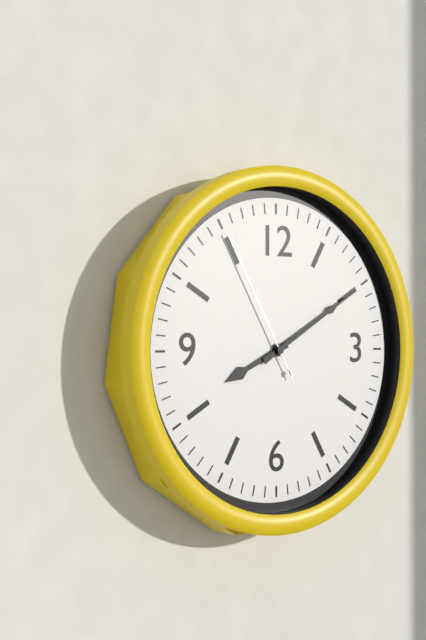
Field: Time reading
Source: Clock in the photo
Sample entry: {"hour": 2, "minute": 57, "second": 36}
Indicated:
{"hour": 8, "minute": 10, "second": 55}
